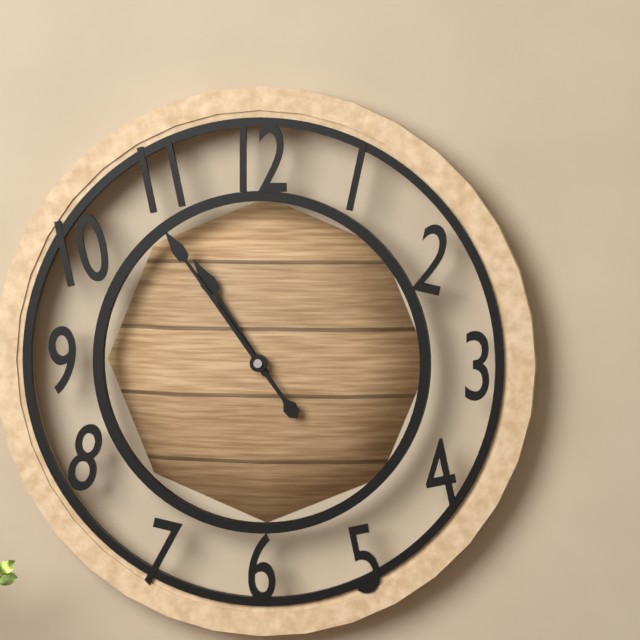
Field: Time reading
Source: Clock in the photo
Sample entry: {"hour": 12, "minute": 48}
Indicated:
{"hour": 10, "minute": 54}
